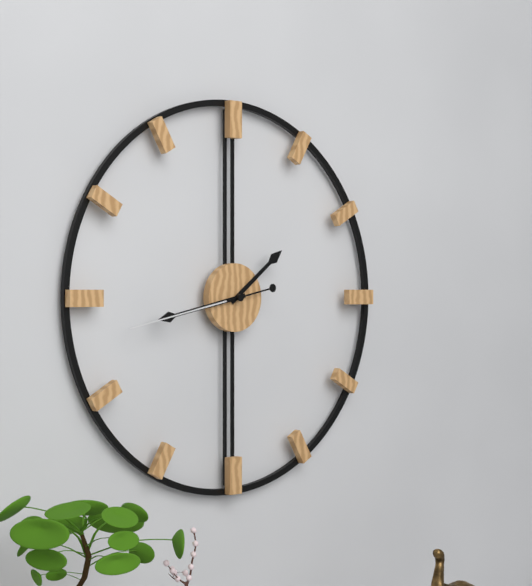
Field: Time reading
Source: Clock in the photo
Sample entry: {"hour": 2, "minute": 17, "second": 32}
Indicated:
{"hour": 1, "minute": 43, "second": 43}
